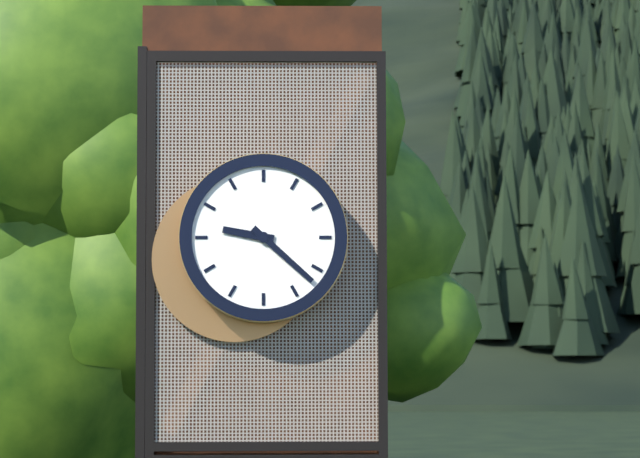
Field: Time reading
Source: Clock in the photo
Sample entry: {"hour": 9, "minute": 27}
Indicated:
{"hour": 9, "minute": 22}
